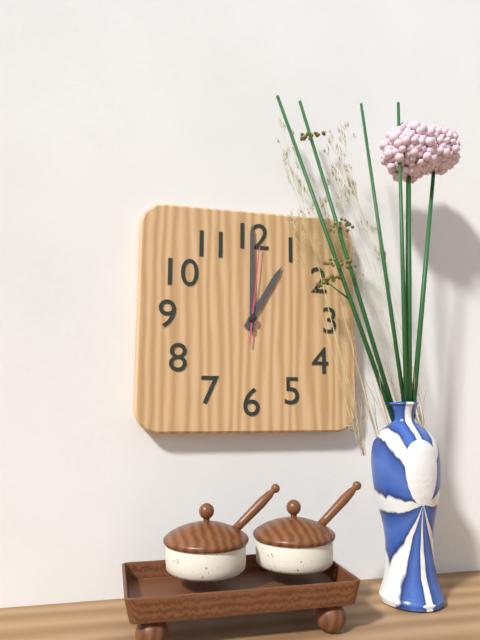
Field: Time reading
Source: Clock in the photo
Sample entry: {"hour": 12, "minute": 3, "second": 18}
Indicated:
{"hour": 1, "minute": 0, "second": 1}
